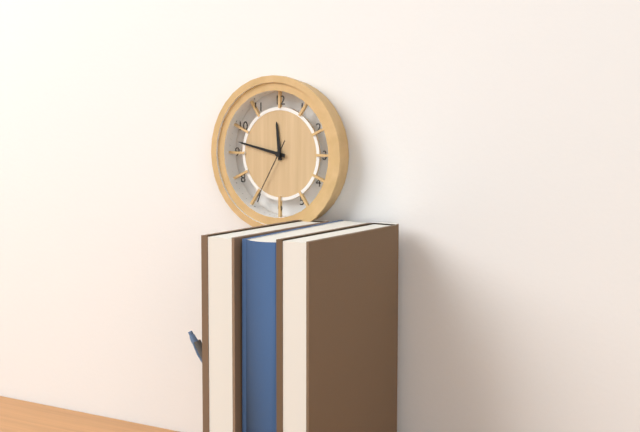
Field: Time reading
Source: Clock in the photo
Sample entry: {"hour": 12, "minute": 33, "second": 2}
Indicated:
{"hour": 11, "minute": 47, "second": 35}
